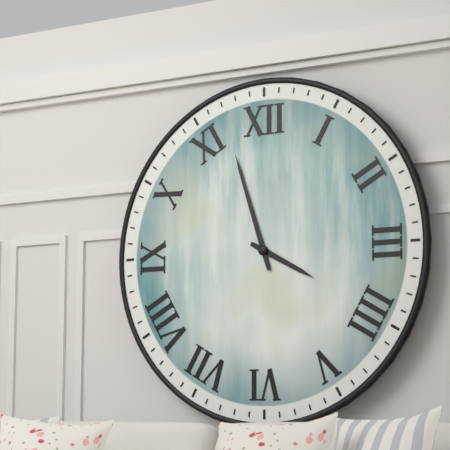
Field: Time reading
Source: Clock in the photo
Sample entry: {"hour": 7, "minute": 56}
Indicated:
{"hour": 3, "minute": 57}
